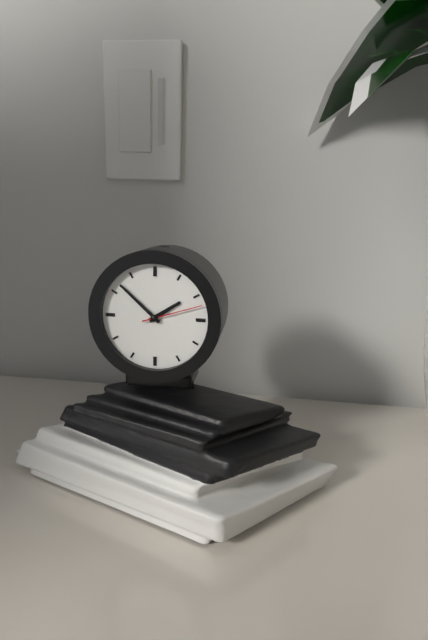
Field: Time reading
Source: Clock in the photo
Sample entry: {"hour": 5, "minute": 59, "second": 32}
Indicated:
{"hour": 1, "minute": 52, "second": 12}
